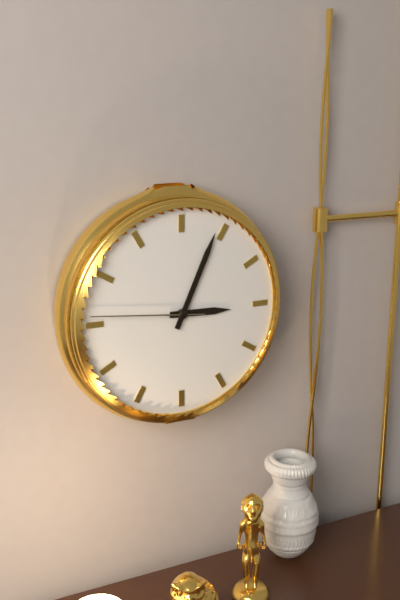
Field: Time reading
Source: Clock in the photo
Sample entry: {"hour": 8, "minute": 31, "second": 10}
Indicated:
{"hour": 3, "minute": 4, "second": 46}
